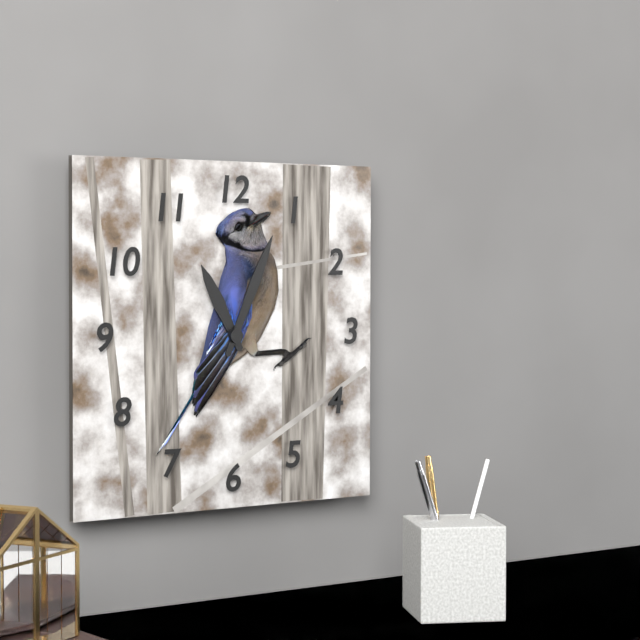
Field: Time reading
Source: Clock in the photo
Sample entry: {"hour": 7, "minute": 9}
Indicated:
{"hour": 11, "minute": 4}
